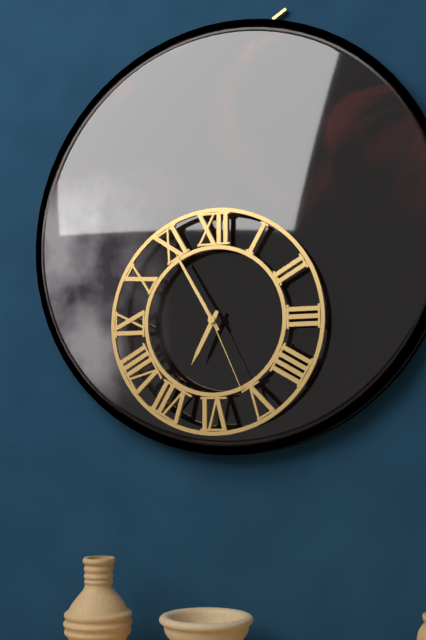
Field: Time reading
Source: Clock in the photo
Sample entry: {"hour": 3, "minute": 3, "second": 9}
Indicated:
{"hour": 6, "minute": 55, "second": 26}
